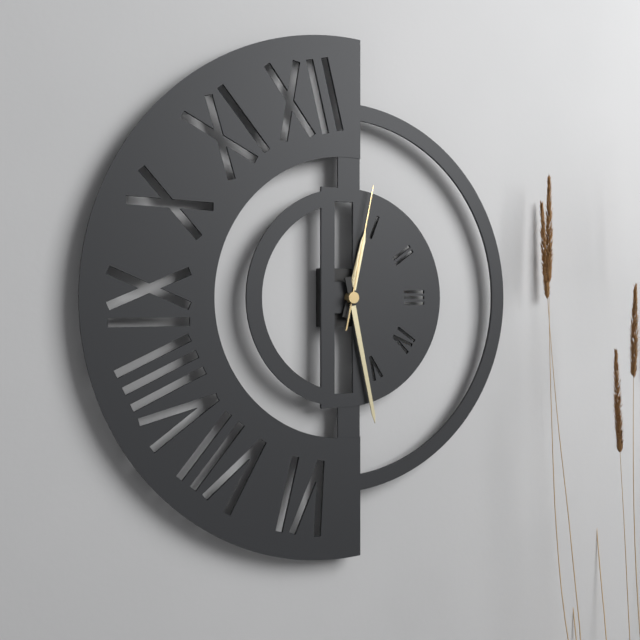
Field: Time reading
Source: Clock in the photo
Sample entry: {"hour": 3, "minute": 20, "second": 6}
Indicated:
{"hour": 12, "minute": 28, "second": 2}
